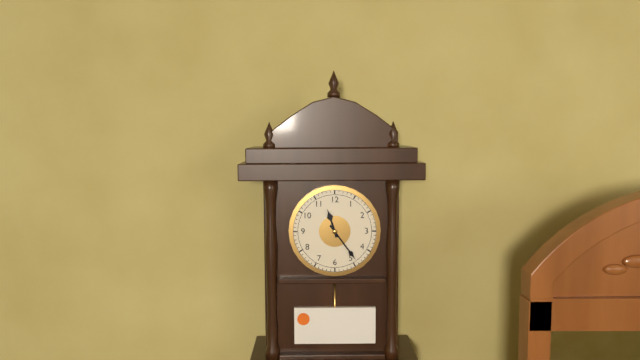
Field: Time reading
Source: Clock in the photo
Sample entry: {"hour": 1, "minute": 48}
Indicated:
{"hour": 11, "minute": 24}
